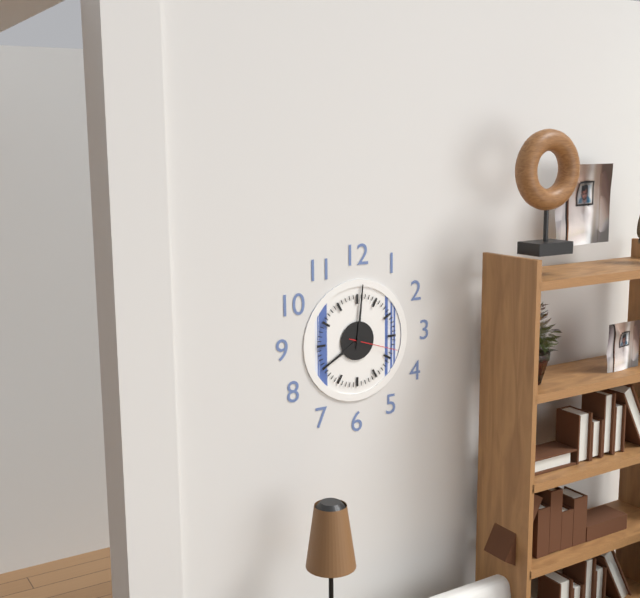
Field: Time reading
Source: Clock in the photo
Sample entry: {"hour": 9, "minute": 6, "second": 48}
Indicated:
{"hour": 8, "minute": 1, "second": 18}
